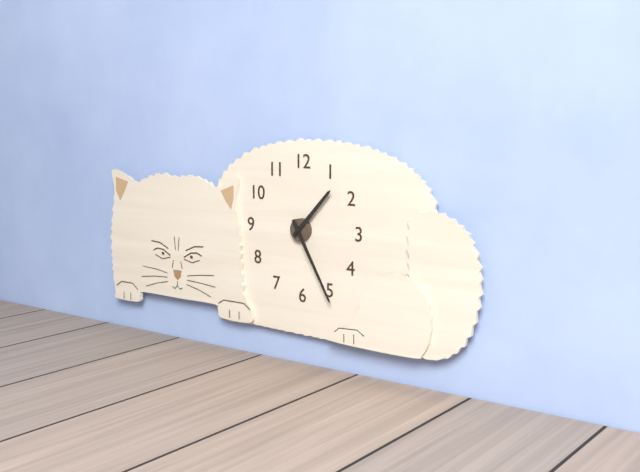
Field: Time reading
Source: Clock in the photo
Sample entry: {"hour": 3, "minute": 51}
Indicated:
{"hour": 1, "minute": 25}
